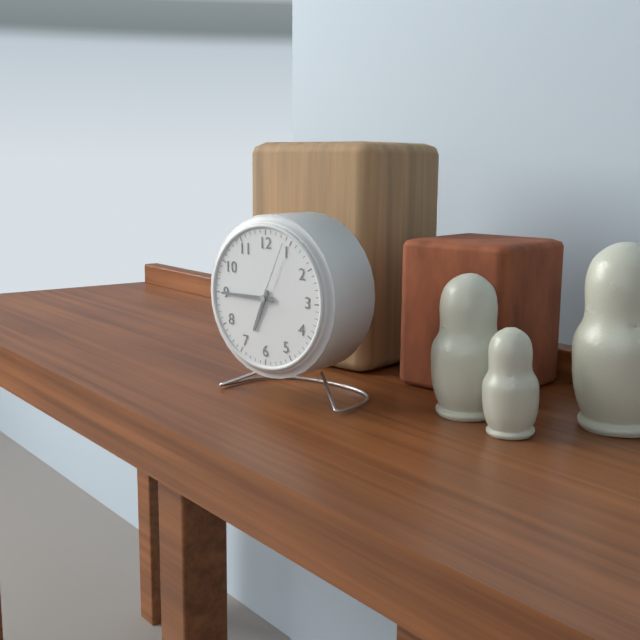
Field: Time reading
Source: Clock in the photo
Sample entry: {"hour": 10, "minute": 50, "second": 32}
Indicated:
{"hour": 6, "minute": 45, "second": 4}
